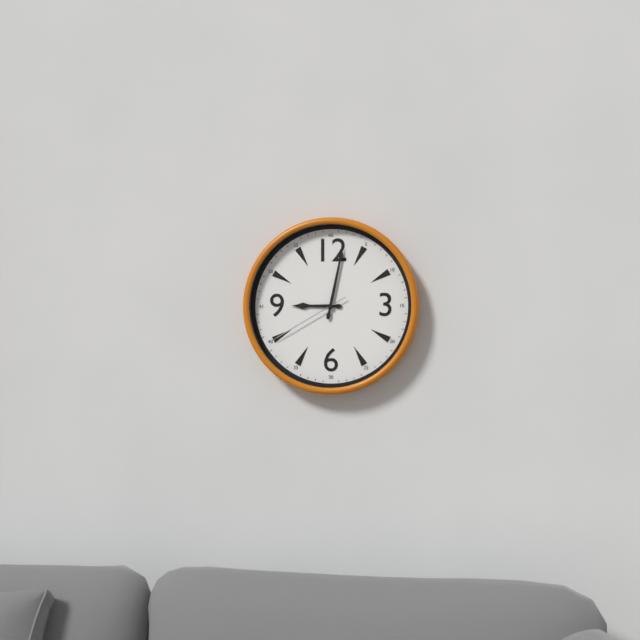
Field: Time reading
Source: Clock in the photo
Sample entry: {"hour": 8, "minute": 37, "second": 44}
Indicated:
{"hour": 9, "minute": 2, "second": 40}
